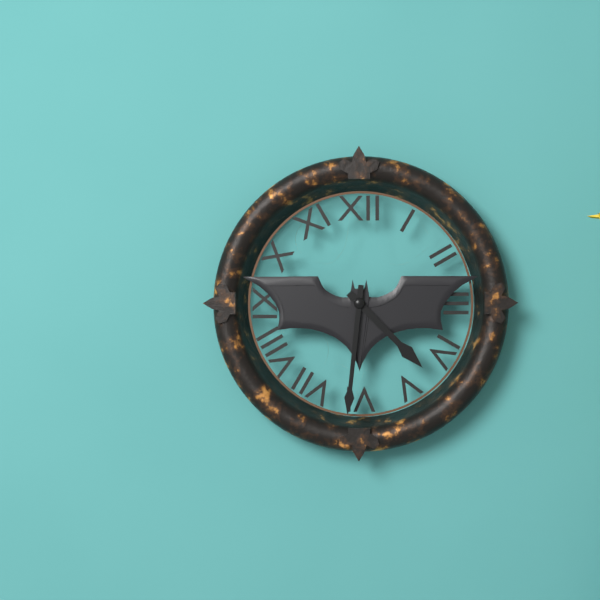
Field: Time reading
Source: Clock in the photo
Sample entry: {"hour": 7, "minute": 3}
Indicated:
{"hour": 4, "minute": 31}
